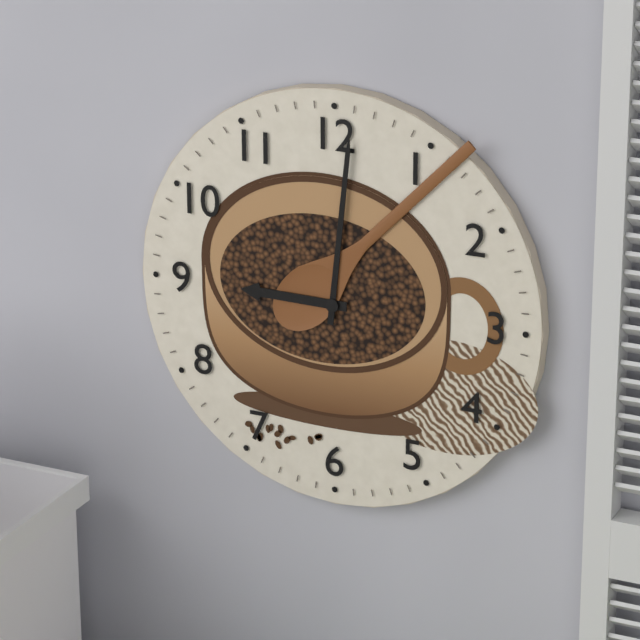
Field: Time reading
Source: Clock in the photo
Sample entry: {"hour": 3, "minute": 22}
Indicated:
{"hour": 9, "minute": 1}
